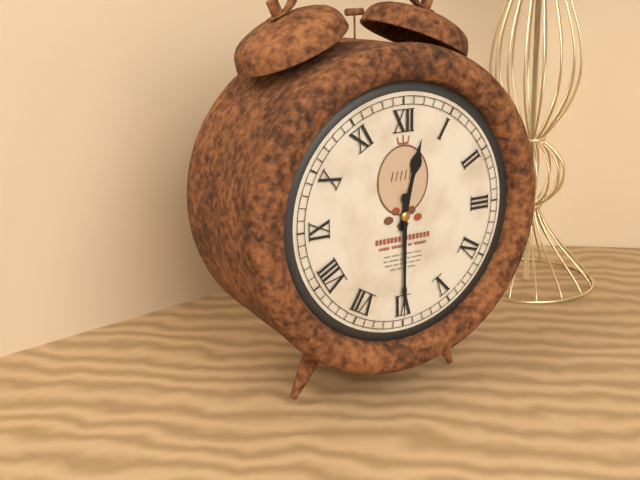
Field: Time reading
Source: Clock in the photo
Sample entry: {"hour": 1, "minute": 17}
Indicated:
{"hour": 12, "minute": 30}
